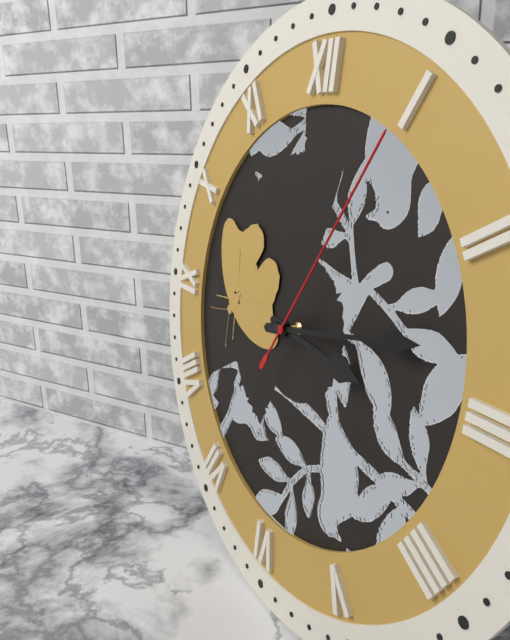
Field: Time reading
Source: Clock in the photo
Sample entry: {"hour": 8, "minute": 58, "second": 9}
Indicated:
{"hour": 3, "minute": 13, "second": 5}
